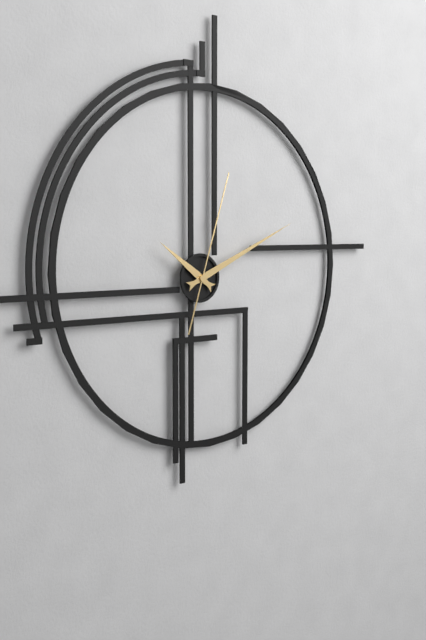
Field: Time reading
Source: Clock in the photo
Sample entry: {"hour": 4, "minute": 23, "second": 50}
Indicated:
{"hour": 10, "minute": 11, "second": 3}
